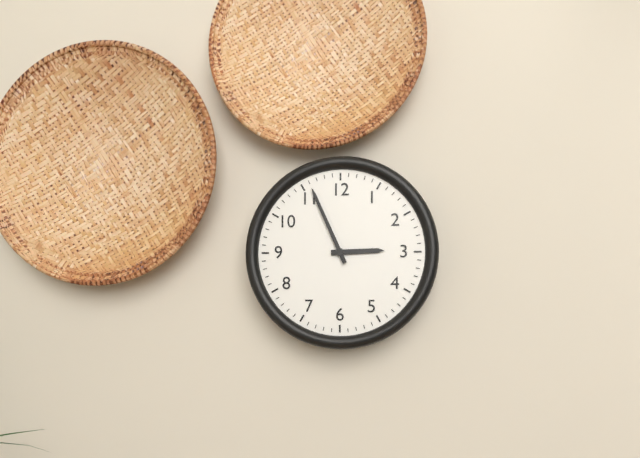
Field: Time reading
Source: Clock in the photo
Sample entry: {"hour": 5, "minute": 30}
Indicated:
{"hour": 2, "minute": 56}
